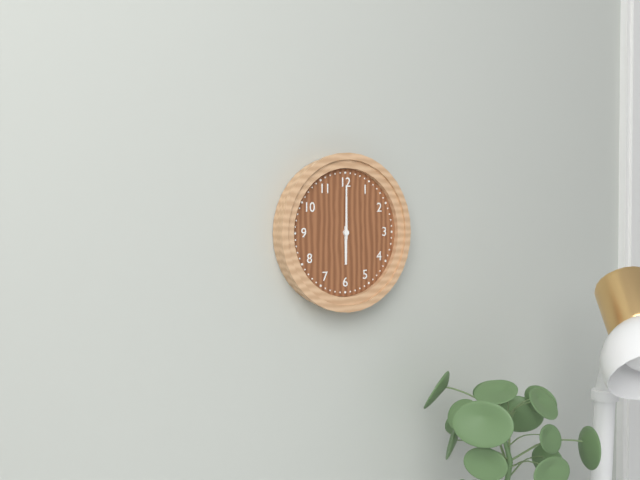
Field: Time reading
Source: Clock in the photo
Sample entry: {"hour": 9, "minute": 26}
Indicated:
{"hour": 6, "minute": 0}
